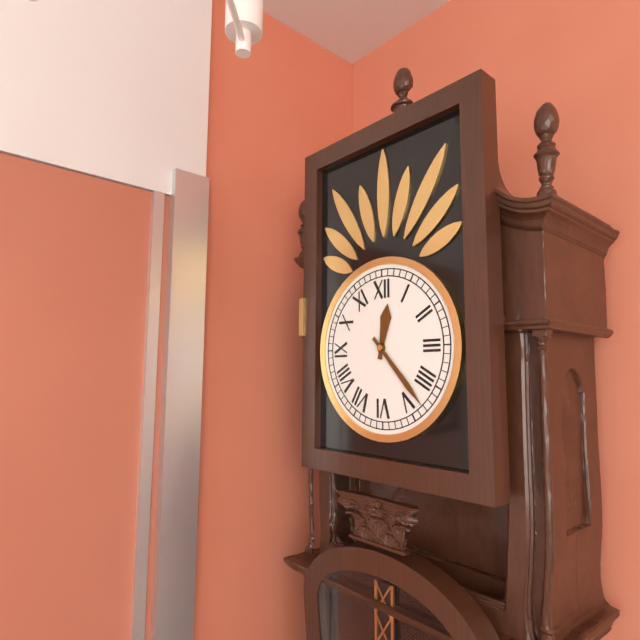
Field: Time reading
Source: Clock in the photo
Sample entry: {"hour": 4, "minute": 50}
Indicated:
{"hour": 12, "minute": 23}
